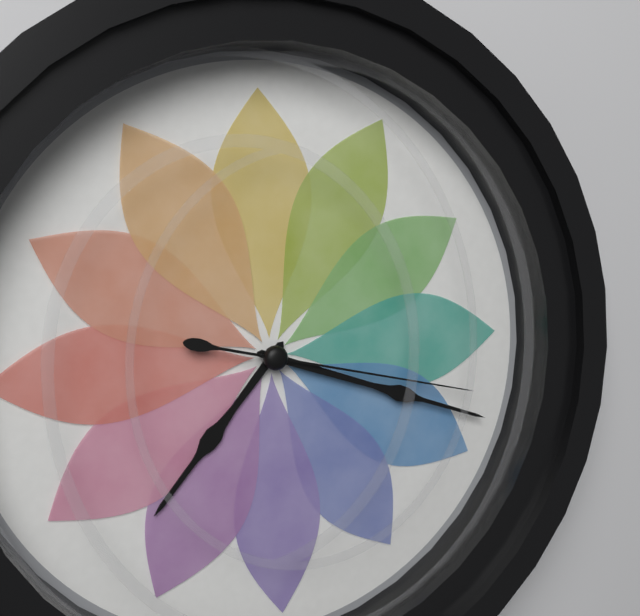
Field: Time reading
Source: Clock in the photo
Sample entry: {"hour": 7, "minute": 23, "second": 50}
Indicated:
{"hour": 7, "minute": 18, "second": 17}
